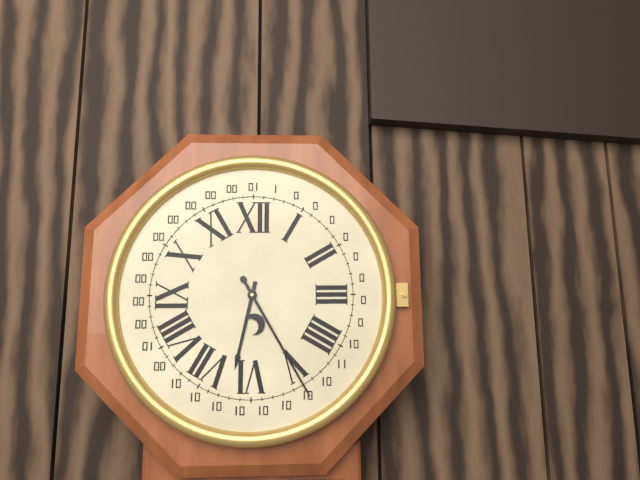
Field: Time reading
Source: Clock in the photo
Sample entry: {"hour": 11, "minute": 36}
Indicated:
{"hour": 6, "minute": 25}
